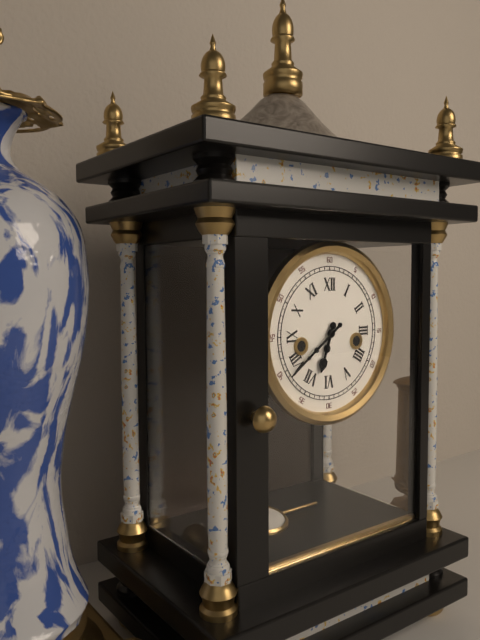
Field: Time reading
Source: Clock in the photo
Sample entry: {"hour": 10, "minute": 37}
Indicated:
{"hour": 6, "minute": 39}
